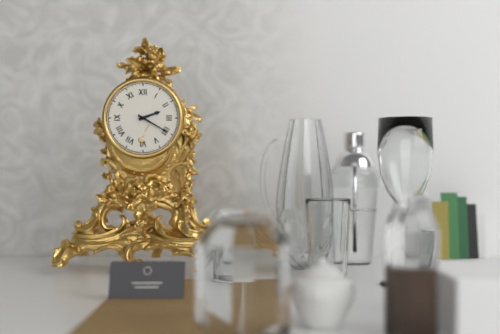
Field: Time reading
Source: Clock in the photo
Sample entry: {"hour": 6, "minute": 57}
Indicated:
{"hour": 2, "minute": 20}
